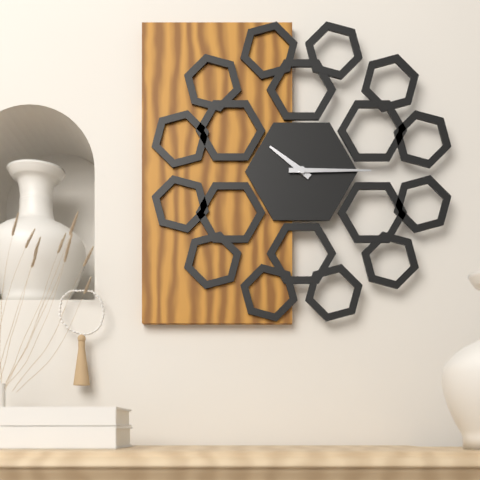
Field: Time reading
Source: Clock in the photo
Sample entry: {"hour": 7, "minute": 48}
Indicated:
{"hour": 10, "minute": 15}
